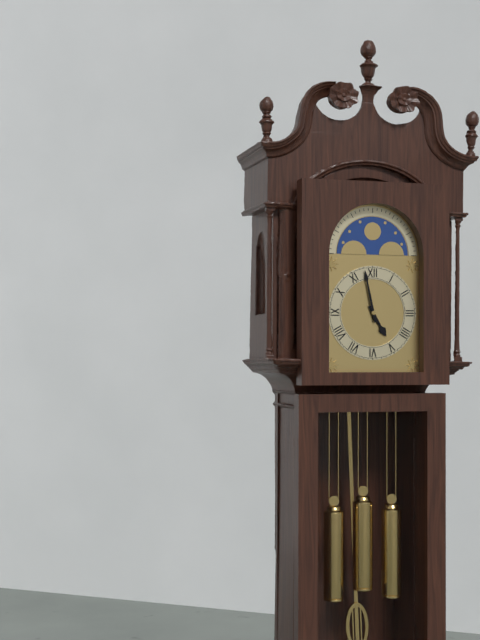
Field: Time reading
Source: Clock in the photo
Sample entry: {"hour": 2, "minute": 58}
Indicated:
{"hour": 4, "minute": 58}
